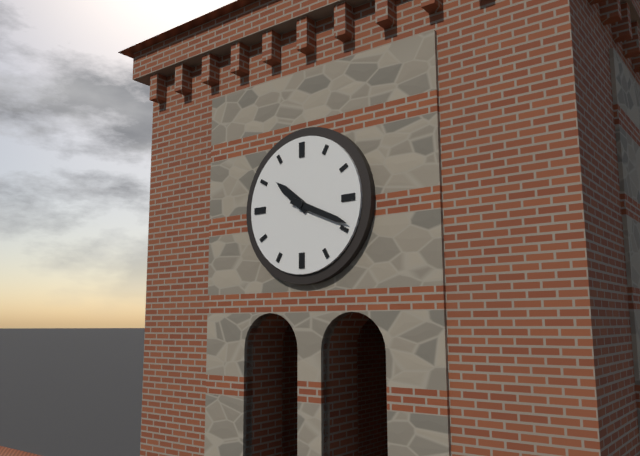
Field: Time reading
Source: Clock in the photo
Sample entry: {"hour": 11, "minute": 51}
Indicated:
{"hour": 10, "minute": 19}
